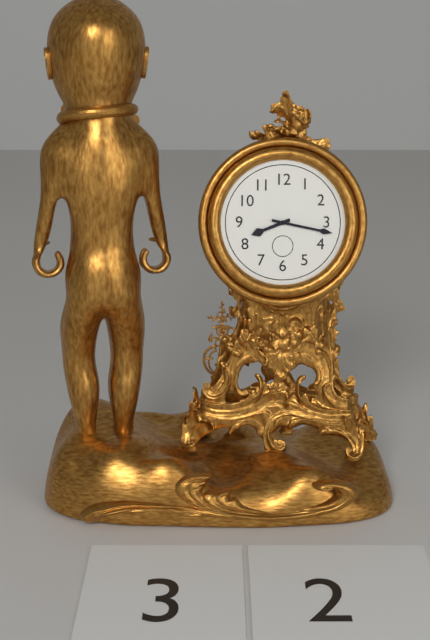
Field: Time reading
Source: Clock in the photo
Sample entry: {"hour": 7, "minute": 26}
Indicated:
{"hour": 8, "minute": 17}
